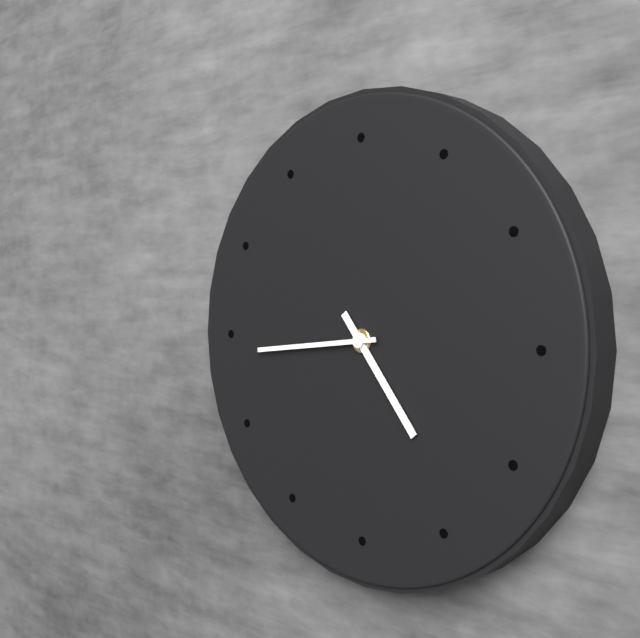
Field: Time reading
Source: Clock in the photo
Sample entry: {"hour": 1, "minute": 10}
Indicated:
{"hour": 4, "minute": 44}
